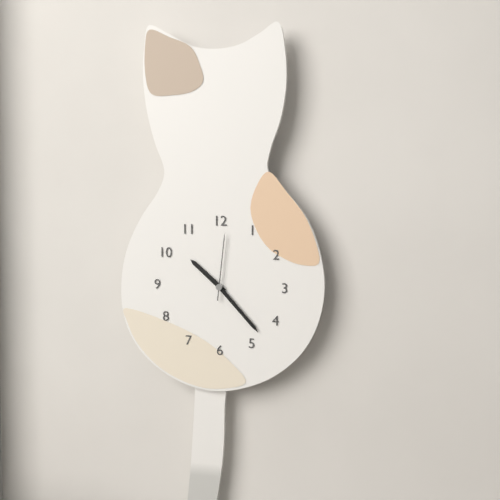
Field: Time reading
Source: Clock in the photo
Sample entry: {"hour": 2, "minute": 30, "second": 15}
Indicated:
{"hour": 10, "minute": 23, "second": 1}
